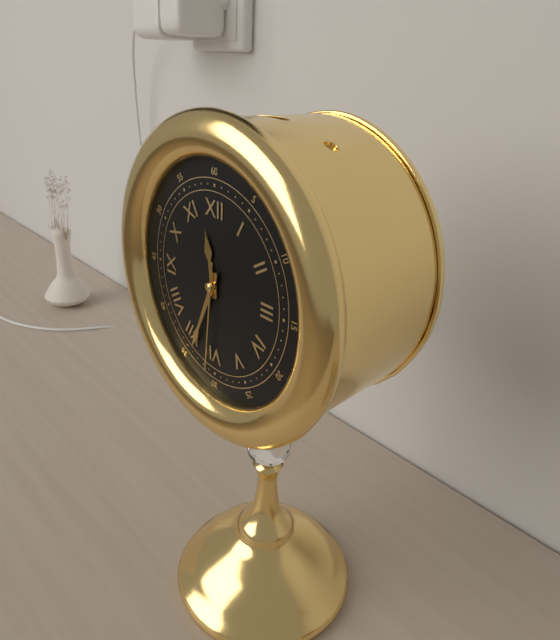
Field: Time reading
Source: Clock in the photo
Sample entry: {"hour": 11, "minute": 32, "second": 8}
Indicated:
{"hour": 11, "minute": 34, "second": 31}
